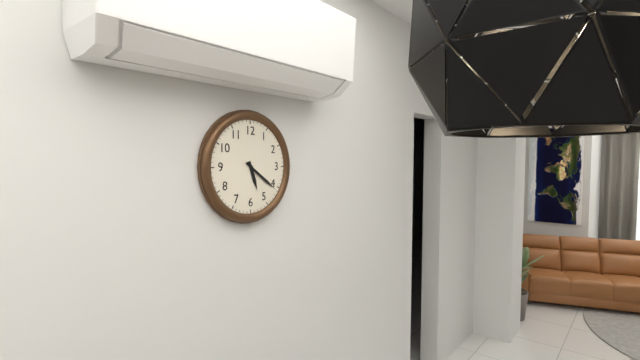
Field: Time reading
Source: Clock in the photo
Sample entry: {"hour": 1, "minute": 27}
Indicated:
{"hour": 5, "minute": 21}
